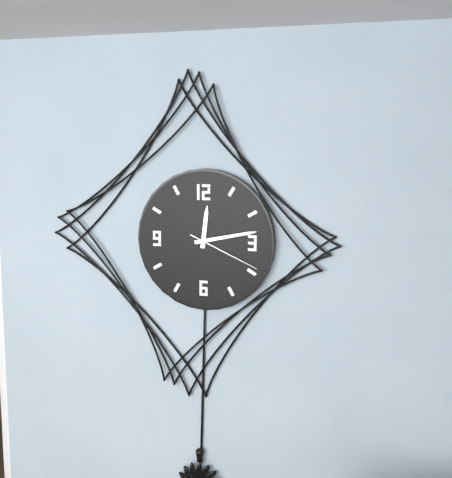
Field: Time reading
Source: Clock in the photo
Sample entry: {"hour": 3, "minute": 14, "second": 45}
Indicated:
{"hour": 12, "minute": 13, "second": 19}
